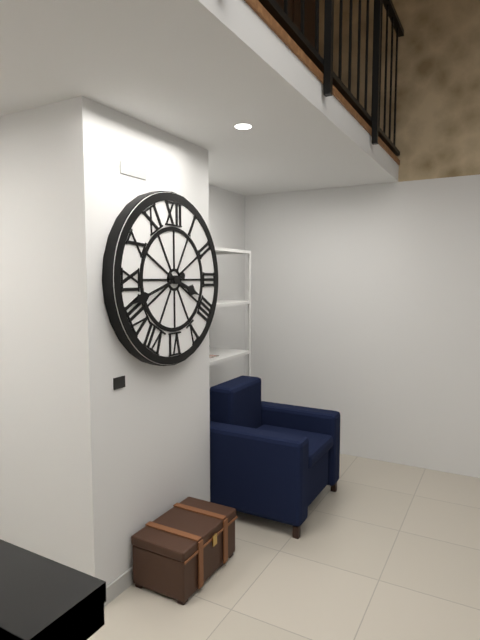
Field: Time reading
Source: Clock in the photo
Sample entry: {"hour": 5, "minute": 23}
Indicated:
{"hour": 3, "minute": 42}
